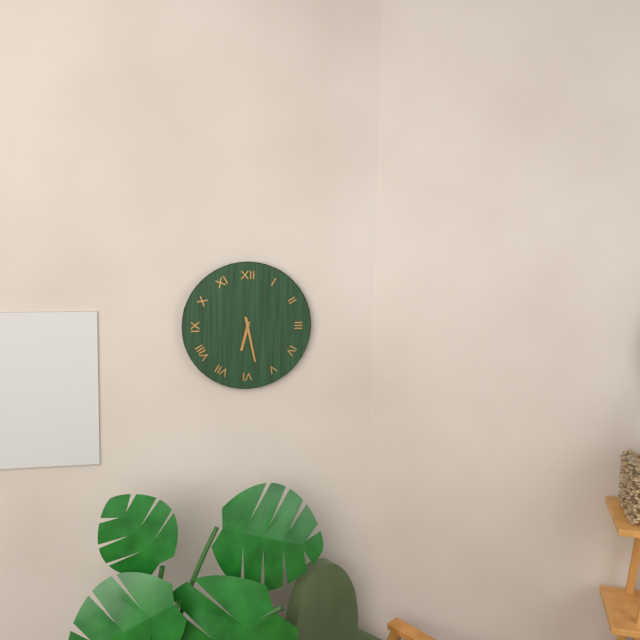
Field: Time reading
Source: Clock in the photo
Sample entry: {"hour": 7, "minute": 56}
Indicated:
{"hour": 6, "minute": 28}
